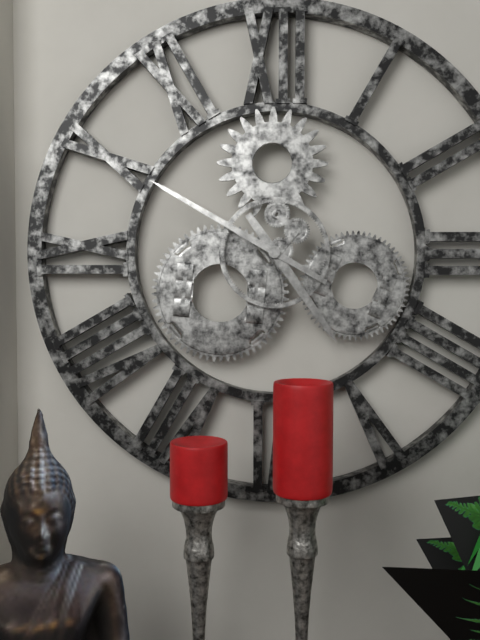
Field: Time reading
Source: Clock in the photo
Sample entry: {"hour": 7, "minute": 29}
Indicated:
{"hour": 4, "minute": 50}
